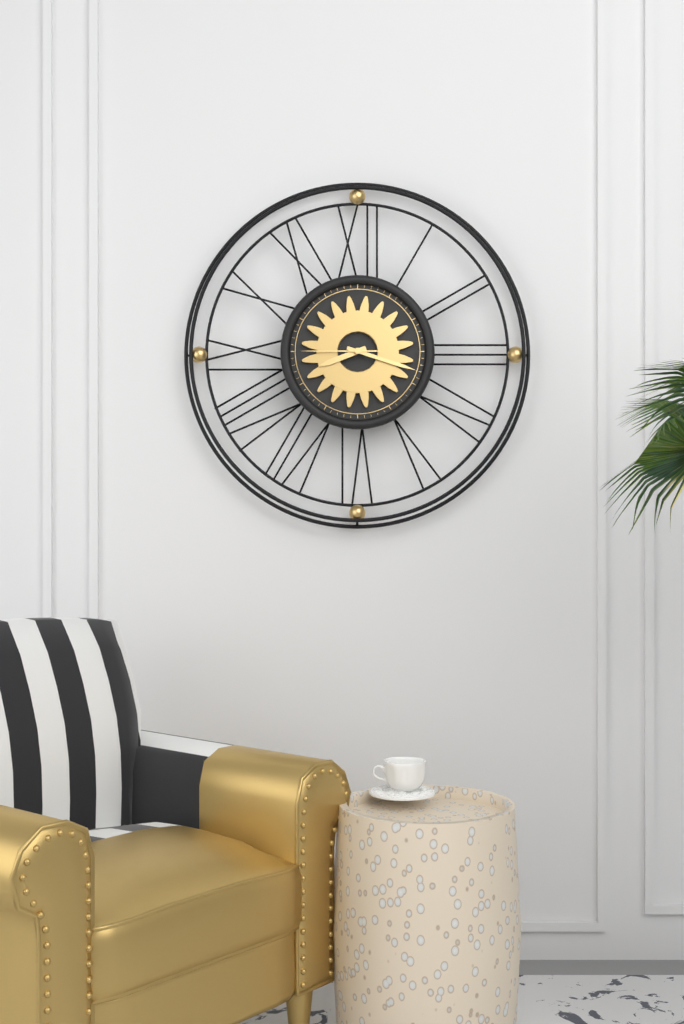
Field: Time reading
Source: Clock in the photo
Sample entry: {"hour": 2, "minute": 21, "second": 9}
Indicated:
{"hour": 8, "minute": 18, "second": 45}
